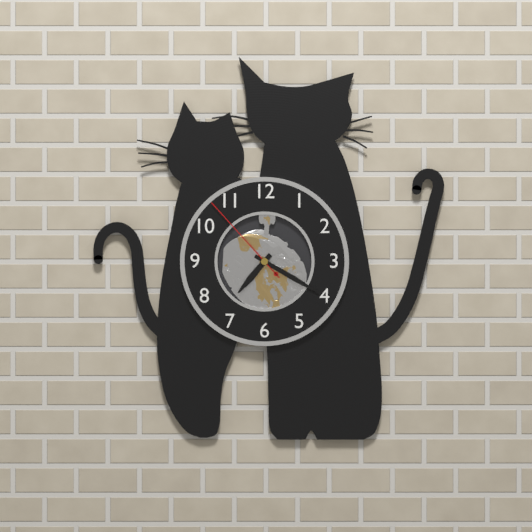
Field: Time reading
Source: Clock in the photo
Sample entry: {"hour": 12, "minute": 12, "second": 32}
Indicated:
{"hour": 7, "minute": 20, "second": 53}
